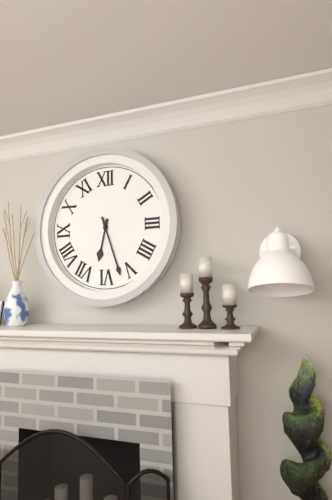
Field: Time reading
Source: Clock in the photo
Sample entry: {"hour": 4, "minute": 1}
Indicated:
{"hour": 6, "minute": 27}
